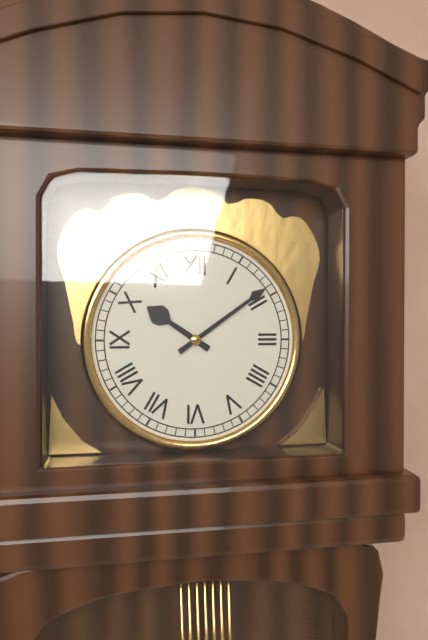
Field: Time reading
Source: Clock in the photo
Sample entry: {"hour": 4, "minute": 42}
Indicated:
{"hour": 10, "minute": 9}
